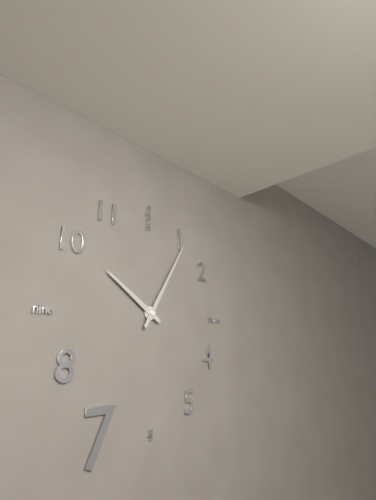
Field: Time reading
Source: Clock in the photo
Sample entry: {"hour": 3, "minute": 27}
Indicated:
{"hour": 10, "minute": 5}
